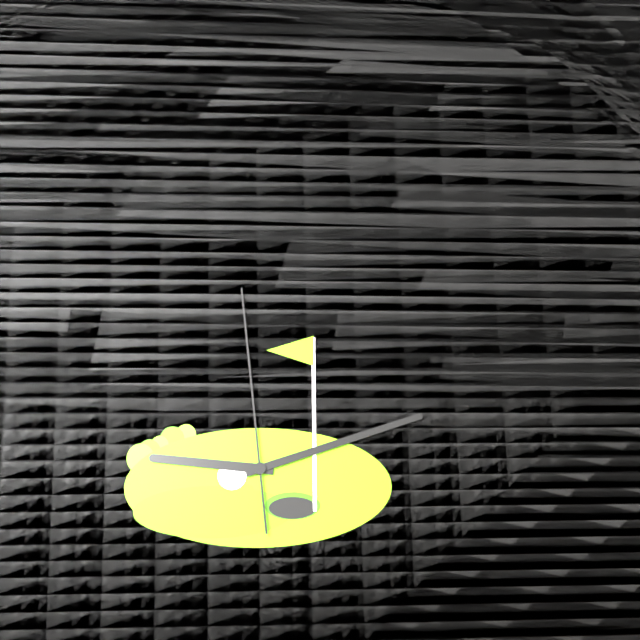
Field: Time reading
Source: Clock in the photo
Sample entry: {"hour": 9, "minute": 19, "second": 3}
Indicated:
{"hour": 9, "minute": 12, "second": 59}
